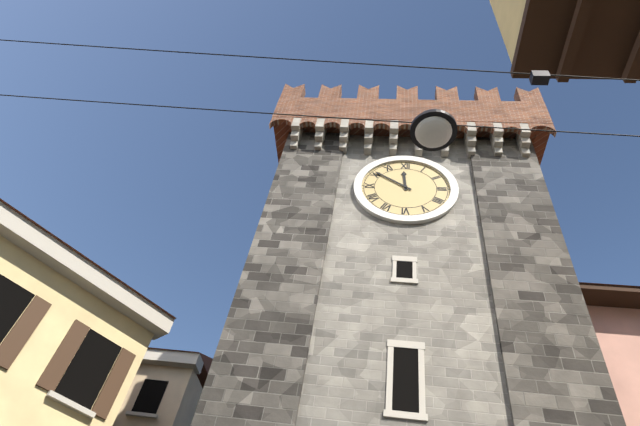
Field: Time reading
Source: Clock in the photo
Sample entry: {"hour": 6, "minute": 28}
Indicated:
{"hour": 11, "minute": 51}
